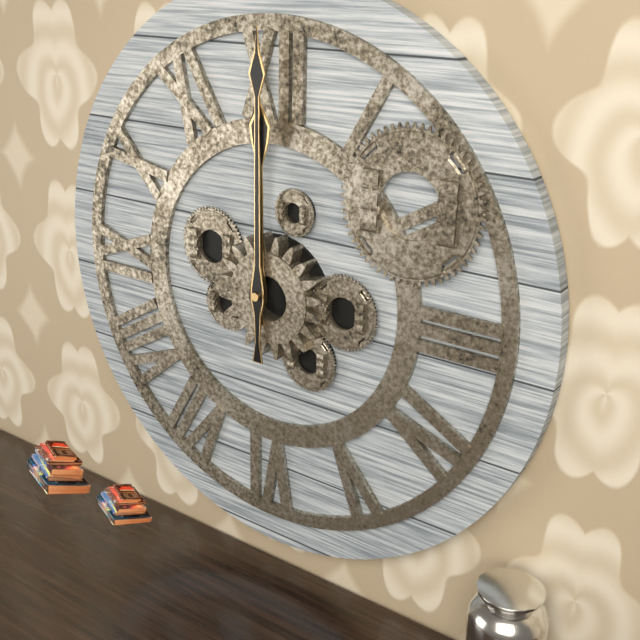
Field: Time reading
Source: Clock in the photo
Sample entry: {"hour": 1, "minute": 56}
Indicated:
{"hour": 12, "minute": 0}
